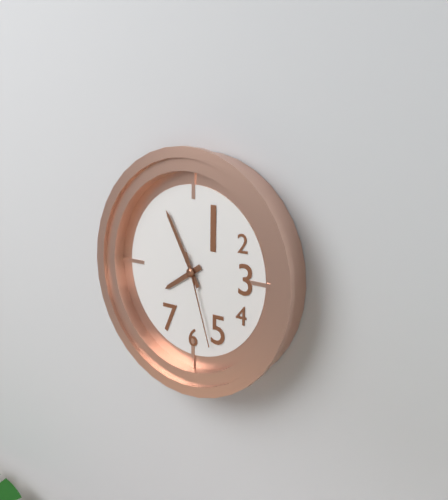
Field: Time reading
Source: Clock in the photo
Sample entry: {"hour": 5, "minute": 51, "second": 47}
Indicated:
{"hour": 7, "minute": 55, "second": 27}
